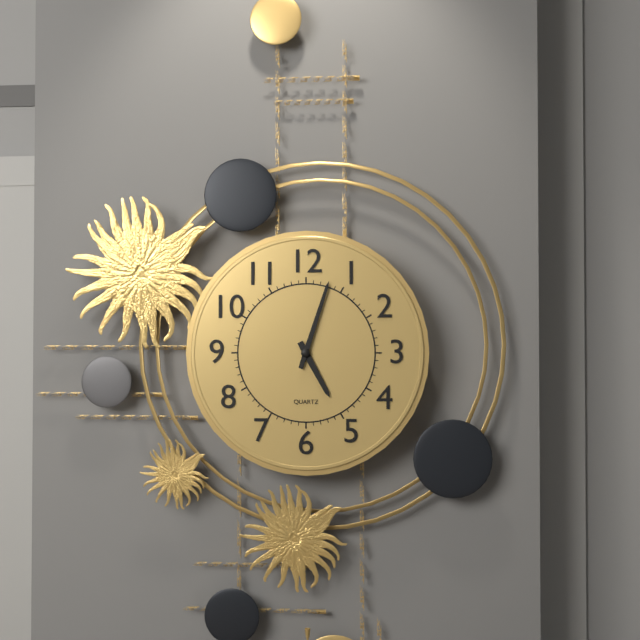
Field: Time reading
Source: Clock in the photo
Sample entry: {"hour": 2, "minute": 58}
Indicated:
{"hour": 5, "minute": 3}
